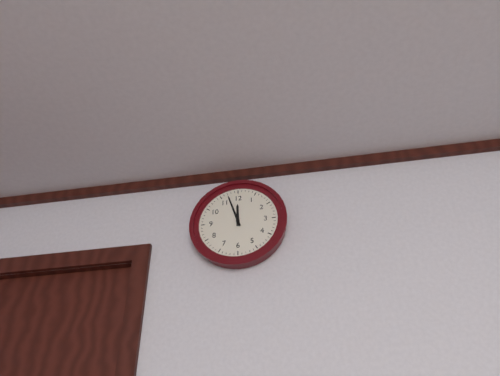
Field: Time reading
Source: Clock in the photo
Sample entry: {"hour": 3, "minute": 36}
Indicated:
{"hour": 11, "minute": 57}
